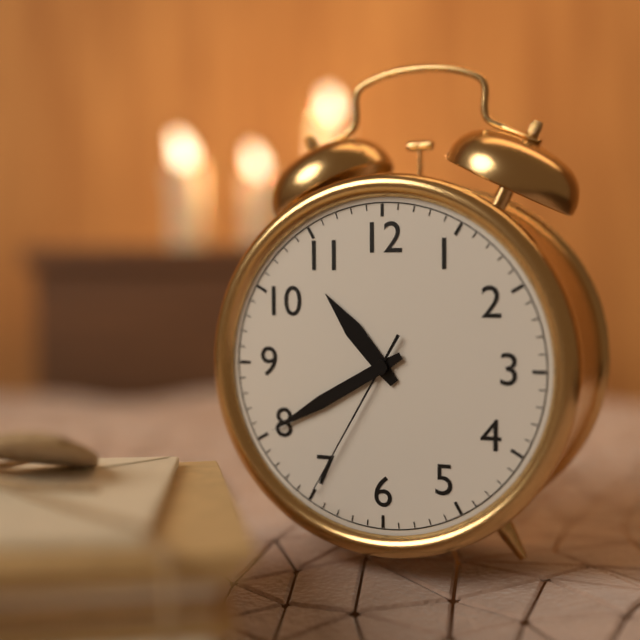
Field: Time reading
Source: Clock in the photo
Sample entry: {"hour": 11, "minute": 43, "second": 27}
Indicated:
{"hour": 10, "minute": 40, "second": 35}
